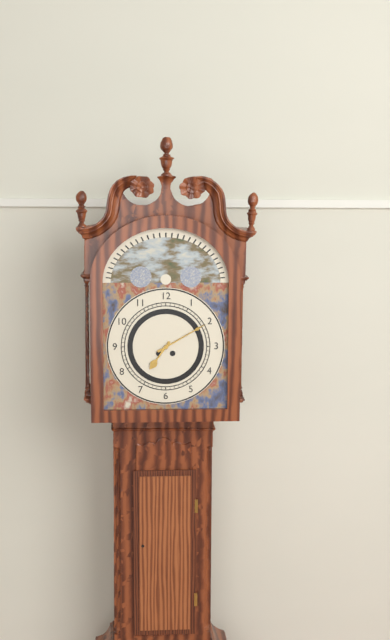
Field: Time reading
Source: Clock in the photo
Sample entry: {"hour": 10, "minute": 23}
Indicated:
{"hour": 7, "minute": 10}
